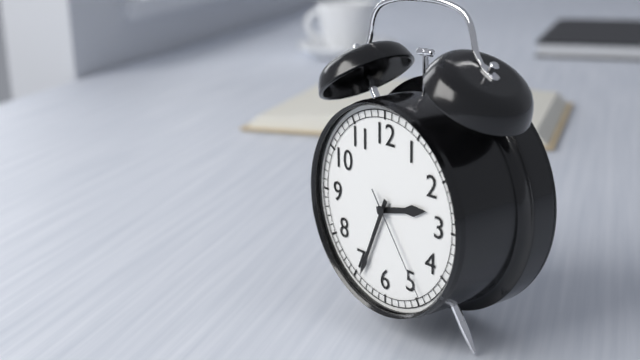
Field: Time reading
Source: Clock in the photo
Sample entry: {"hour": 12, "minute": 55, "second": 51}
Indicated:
{"hour": 2, "minute": 34, "second": 24}
